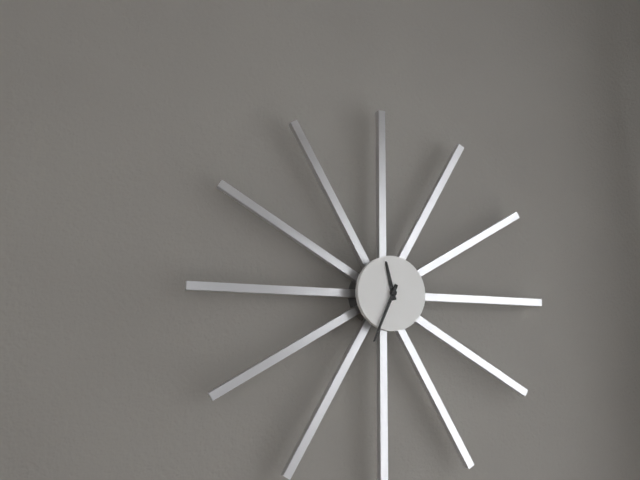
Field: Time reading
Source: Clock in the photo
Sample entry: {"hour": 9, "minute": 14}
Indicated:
{"hour": 11, "minute": 34}
